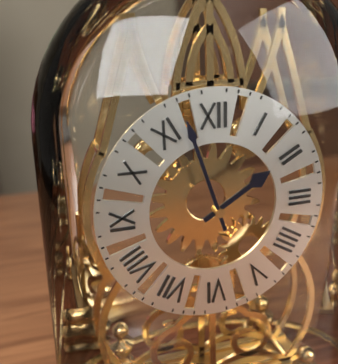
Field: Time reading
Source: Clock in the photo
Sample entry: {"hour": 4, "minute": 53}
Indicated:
{"hour": 1, "minute": 57}
